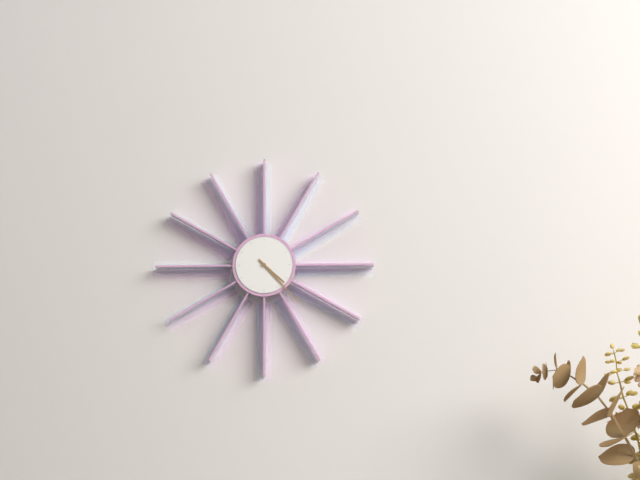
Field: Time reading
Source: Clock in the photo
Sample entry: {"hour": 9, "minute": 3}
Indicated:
{"hour": 4, "minute": 23}
